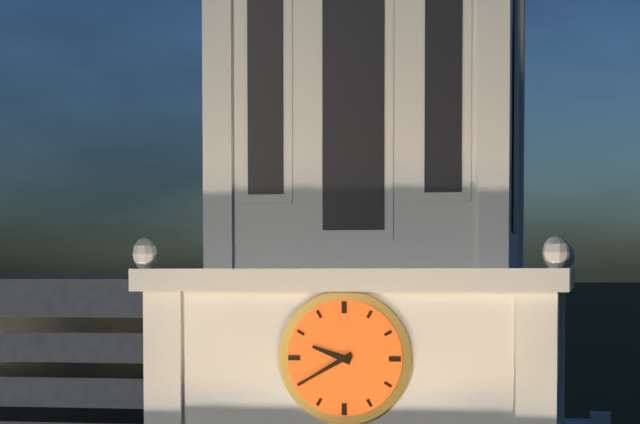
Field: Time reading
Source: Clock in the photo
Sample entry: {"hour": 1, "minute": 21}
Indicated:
{"hour": 9, "minute": 40}
